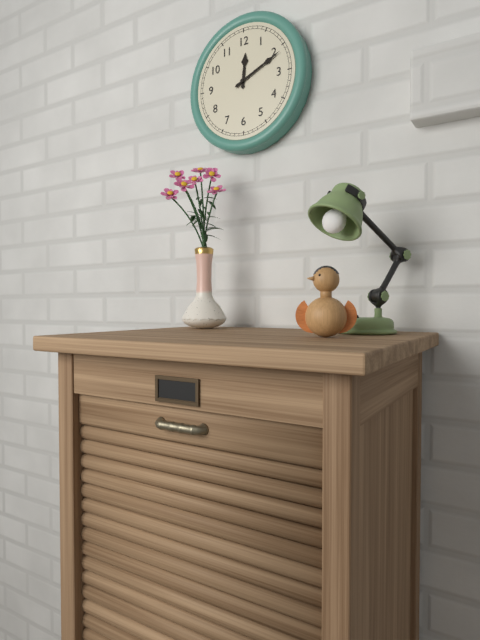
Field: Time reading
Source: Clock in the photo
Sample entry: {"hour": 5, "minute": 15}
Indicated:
{"hour": 12, "minute": 11}
